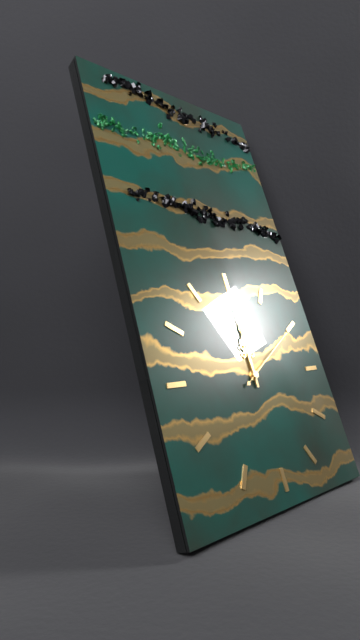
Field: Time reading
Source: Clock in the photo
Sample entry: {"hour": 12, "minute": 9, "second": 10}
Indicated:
{"hour": 12, "minute": 0, "second": 10}
